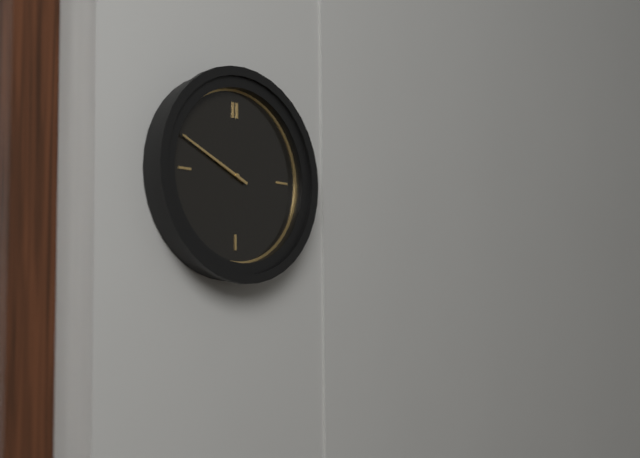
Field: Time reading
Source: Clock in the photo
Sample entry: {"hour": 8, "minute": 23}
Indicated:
{"hour": 9, "minute": 49}
